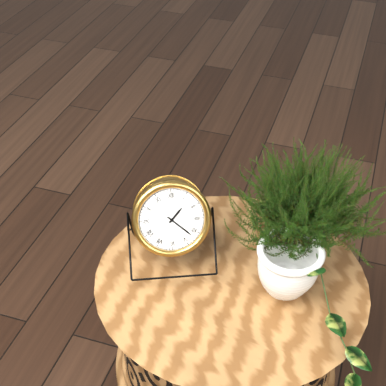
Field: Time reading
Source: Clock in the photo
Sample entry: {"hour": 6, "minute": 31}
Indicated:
{"hour": 1, "minute": 22}
